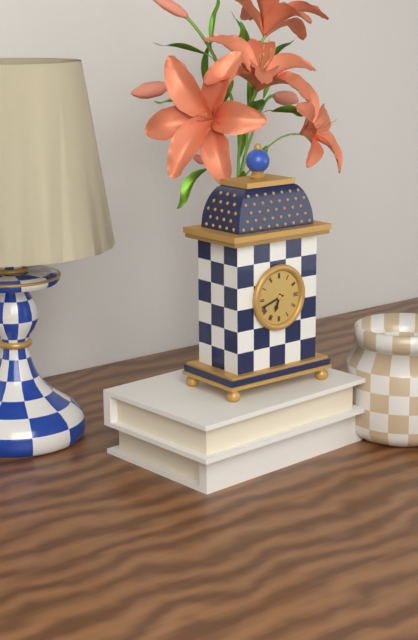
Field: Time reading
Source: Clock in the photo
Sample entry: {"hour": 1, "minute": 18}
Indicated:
{"hour": 6, "minute": 42}
